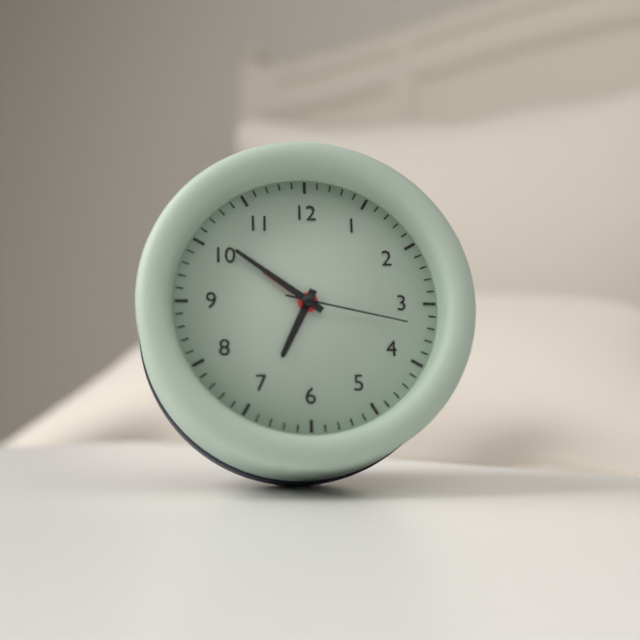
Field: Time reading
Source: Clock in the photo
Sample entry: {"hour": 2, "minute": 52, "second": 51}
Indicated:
{"hour": 6, "minute": 51, "second": 17}
